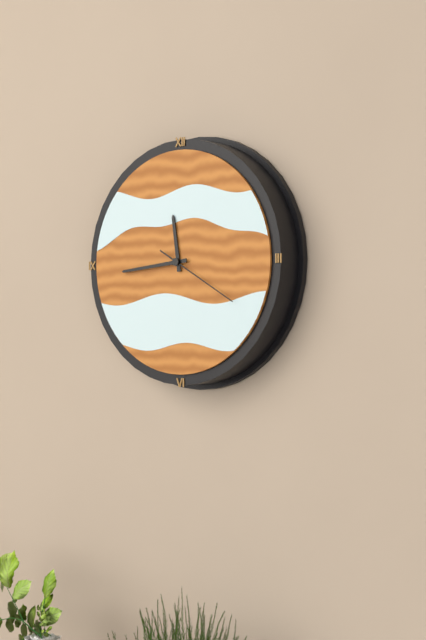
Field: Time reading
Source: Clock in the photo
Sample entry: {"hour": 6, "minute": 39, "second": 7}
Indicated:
{"hour": 11, "minute": 44, "second": 20}
